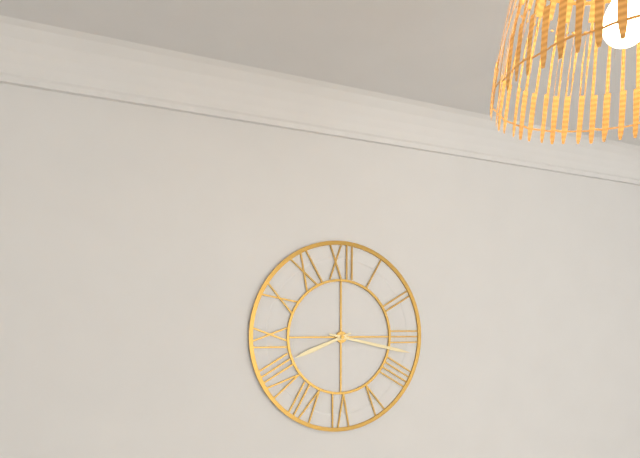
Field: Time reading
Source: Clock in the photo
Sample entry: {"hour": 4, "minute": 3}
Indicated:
{"hour": 8, "minute": 17}
